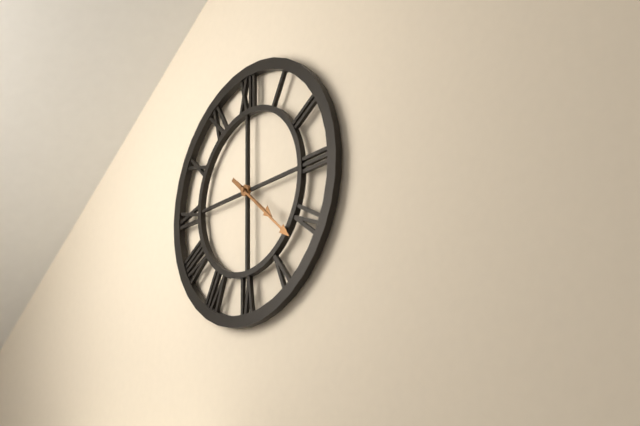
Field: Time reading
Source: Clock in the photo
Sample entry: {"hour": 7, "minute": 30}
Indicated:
{"hour": 4, "minute": 22}
